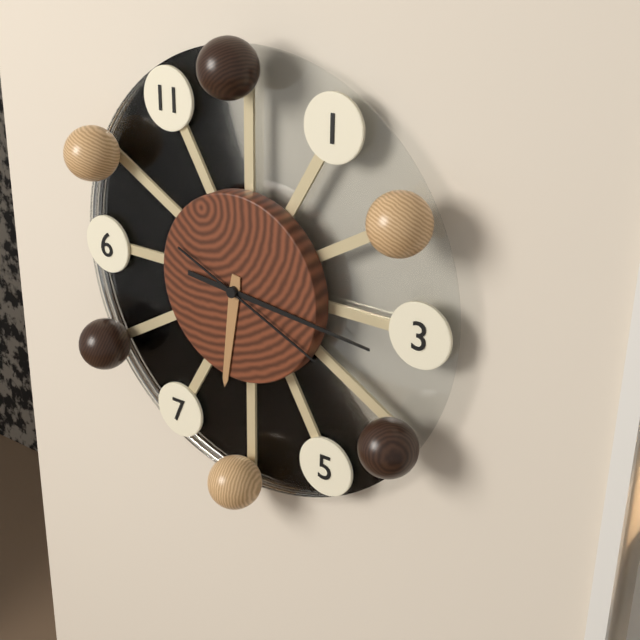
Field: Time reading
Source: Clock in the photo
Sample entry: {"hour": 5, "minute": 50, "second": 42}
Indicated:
{"hour": 6, "minute": 16, "second": 19}
